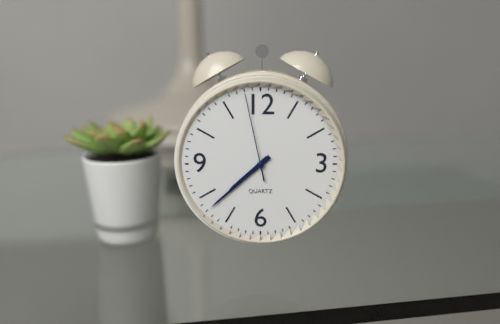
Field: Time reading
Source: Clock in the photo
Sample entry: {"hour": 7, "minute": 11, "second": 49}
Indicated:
{"hour": 7, "minute": 38, "second": 58}
